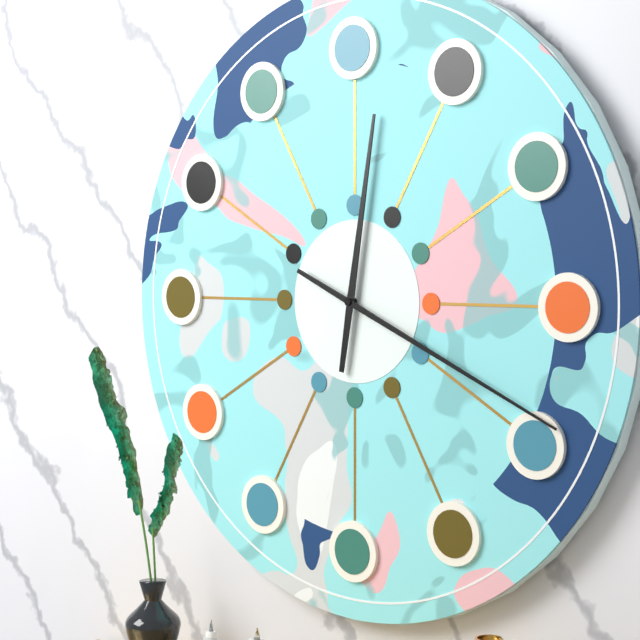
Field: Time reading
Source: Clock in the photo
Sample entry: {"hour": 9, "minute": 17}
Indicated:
{"hour": 12, "minute": 19}
